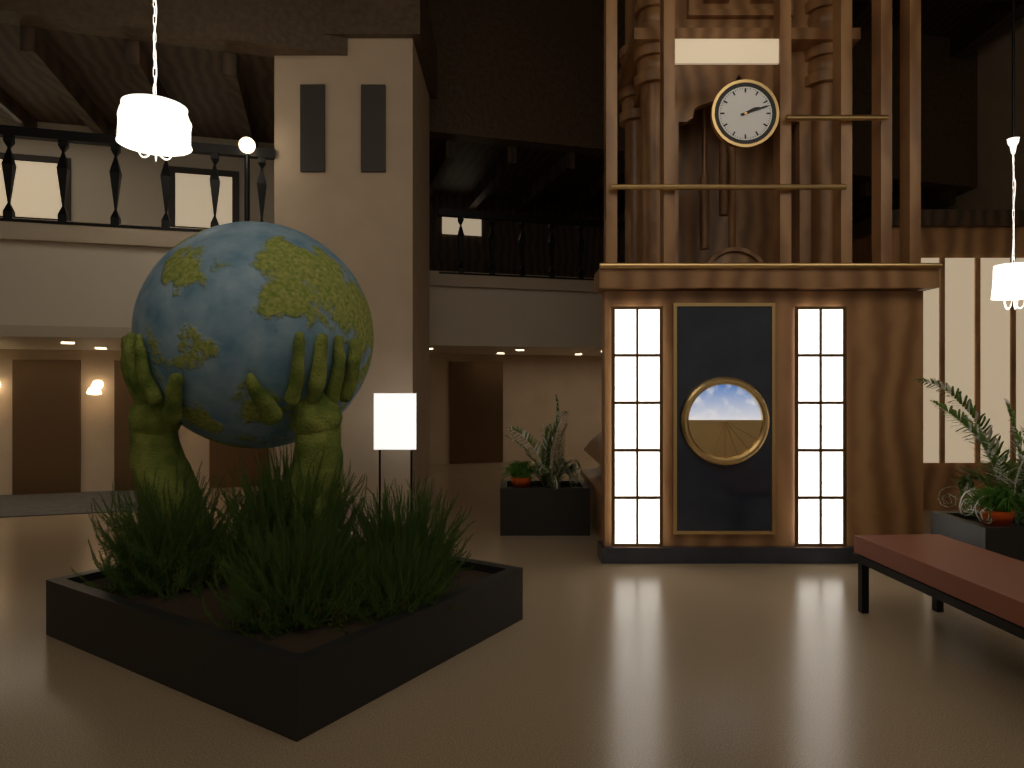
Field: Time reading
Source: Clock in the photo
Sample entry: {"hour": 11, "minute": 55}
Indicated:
{"hour": 2, "minute": 12}
